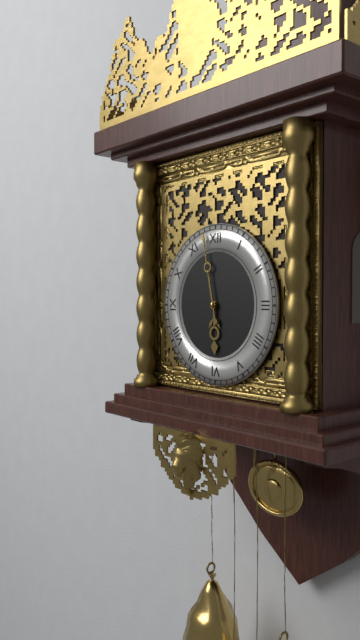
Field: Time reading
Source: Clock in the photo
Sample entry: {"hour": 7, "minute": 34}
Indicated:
{"hour": 5, "minute": 58}
